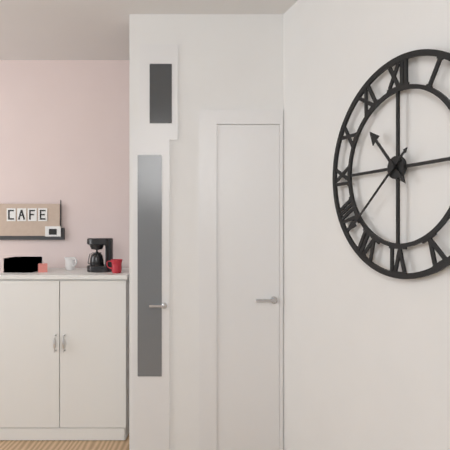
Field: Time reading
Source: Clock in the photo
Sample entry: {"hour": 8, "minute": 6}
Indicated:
{"hour": 10, "minute": 38}
